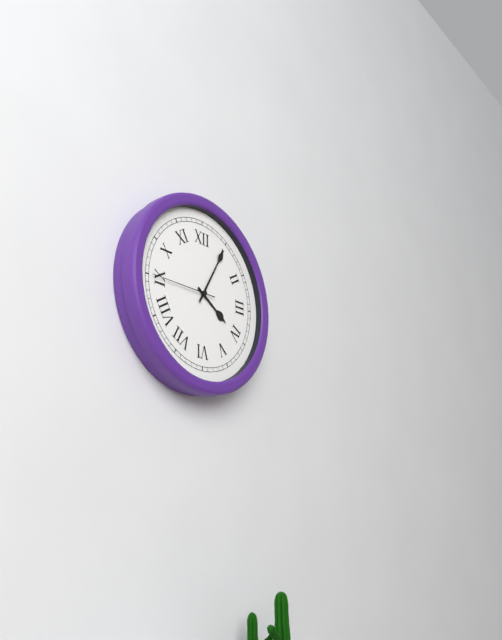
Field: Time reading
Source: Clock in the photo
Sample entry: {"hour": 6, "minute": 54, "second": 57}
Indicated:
{"hour": 4, "minute": 5, "second": 45}
